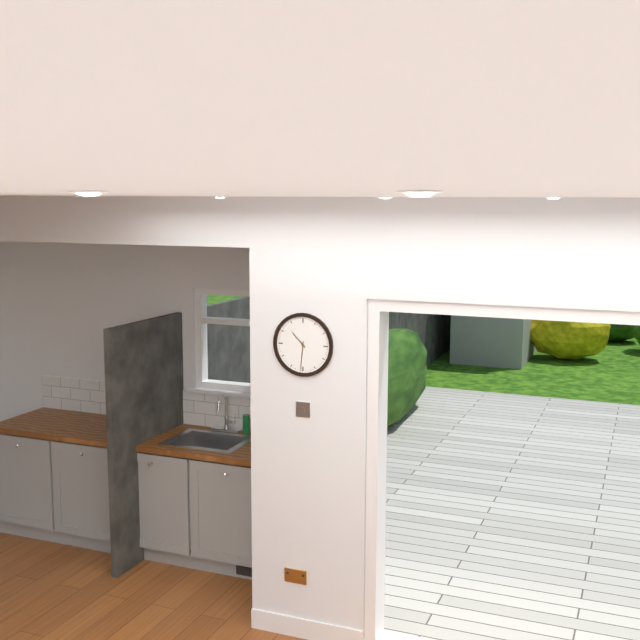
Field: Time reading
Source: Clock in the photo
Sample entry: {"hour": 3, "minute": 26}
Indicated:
{"hour": 10, "minute": 31}
